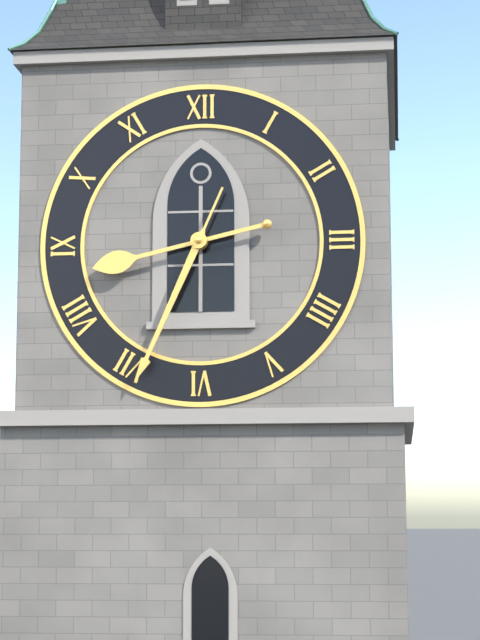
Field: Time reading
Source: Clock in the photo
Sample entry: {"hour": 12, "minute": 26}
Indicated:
{"hour": 8, "minute": 34}
